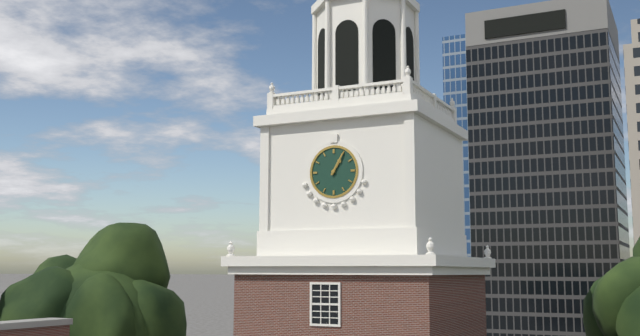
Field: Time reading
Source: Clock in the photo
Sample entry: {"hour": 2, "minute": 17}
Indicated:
{"hour": 1, "minute": 5}
